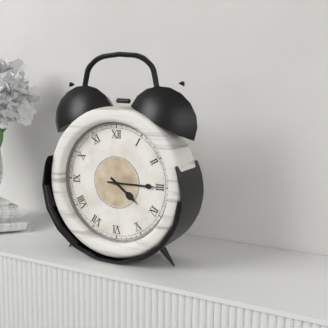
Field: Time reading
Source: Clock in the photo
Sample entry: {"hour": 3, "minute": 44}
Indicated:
{"hour": 4, "minute": 15}
